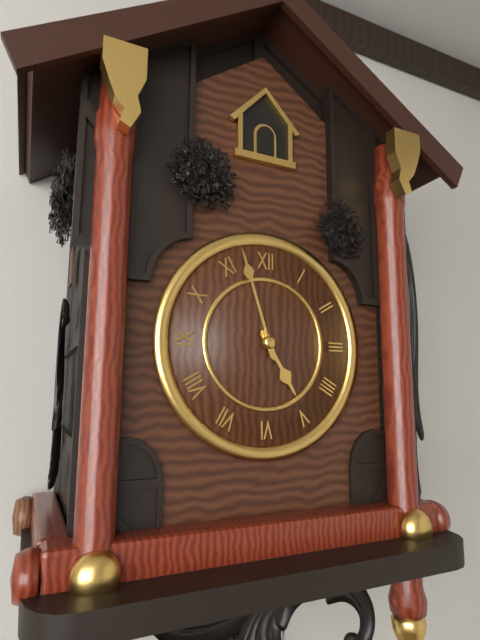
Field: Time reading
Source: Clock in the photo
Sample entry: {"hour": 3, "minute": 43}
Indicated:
{"hour": 4, "minute": 57}
